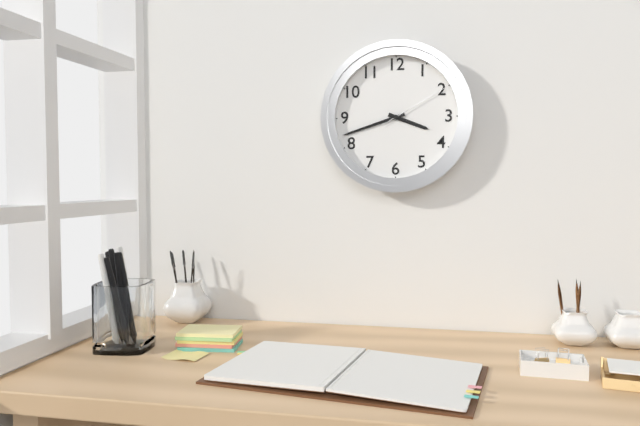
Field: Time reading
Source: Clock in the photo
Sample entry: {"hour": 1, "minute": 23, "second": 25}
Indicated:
{"hour": 3, "minute": 42, "second": 10}
